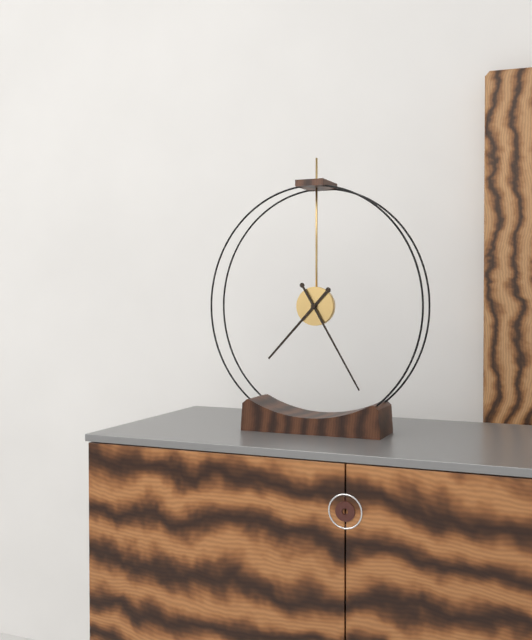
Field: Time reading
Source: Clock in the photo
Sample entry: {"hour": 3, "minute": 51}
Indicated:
{"hour": 7, "minute": 25}
